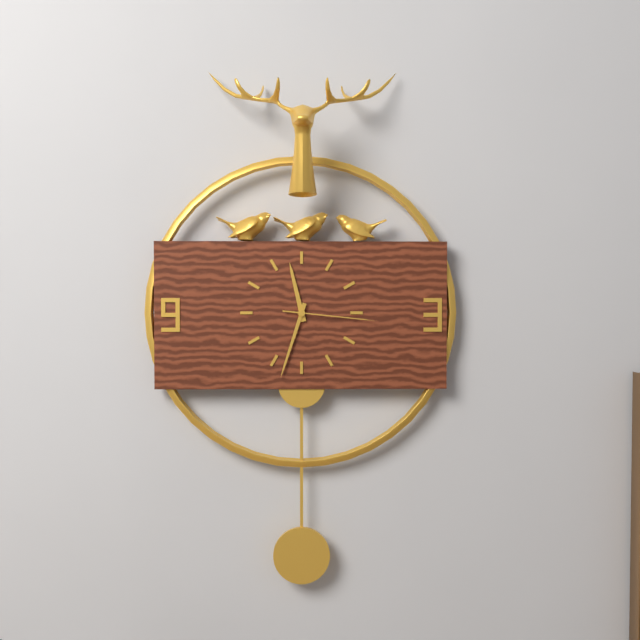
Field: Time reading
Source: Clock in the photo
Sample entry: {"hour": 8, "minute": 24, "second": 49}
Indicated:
{"hour": 11, "minute": 33, "second": 16}
